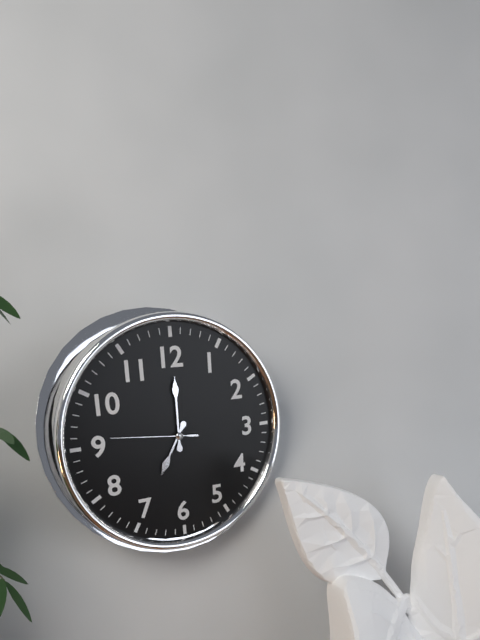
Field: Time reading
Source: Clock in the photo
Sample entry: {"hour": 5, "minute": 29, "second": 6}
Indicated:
{"hour": 7, "minute": 0, "second": 46}
